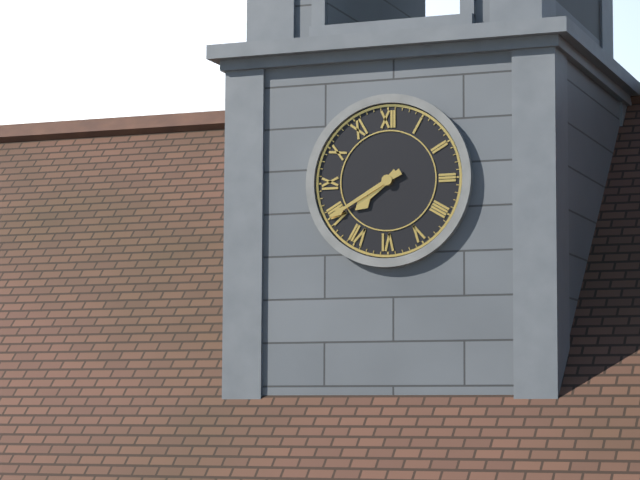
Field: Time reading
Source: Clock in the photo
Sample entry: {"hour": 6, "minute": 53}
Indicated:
{"hour": 7, "minute": 40}
